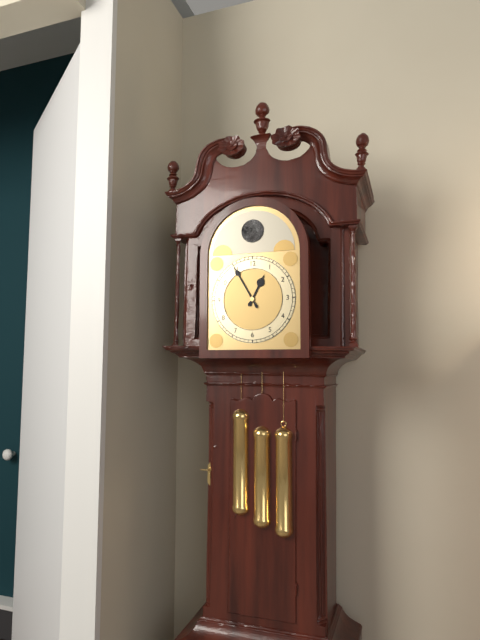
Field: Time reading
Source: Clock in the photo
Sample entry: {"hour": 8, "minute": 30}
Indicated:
{"hour": 12, "minute": 55}
